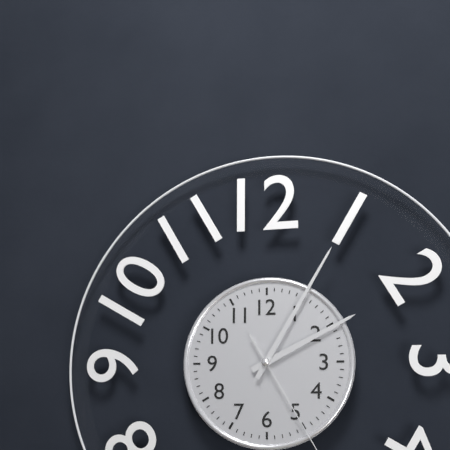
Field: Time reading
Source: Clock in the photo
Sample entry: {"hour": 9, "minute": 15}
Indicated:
{"hour": 2, "minute": 5}
